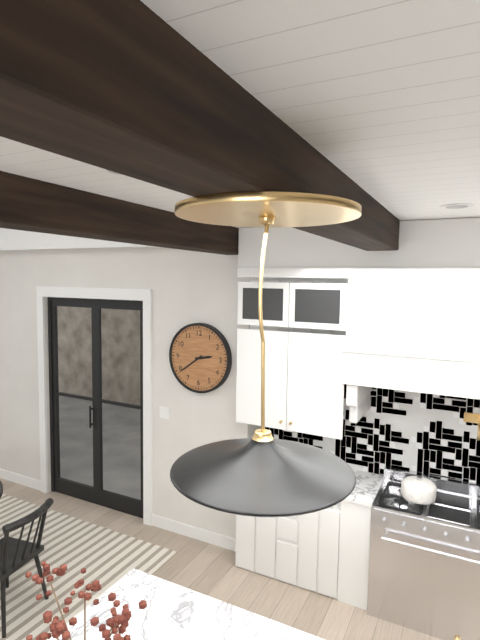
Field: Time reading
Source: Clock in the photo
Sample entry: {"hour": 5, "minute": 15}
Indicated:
{"hour": 2, "minute": 39}
